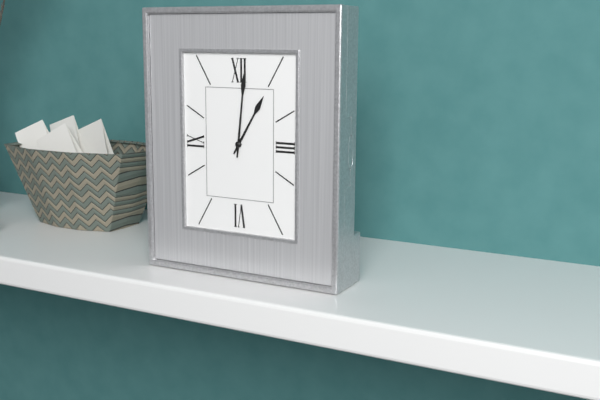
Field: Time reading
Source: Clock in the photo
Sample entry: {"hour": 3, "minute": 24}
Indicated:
{"hour": 1, "minute": 1}
